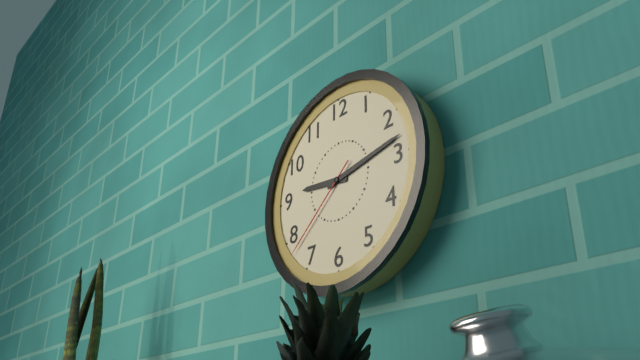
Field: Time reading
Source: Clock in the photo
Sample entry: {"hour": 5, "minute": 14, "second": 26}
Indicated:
{"hour": 9, "minute": 13, "second": 38}
